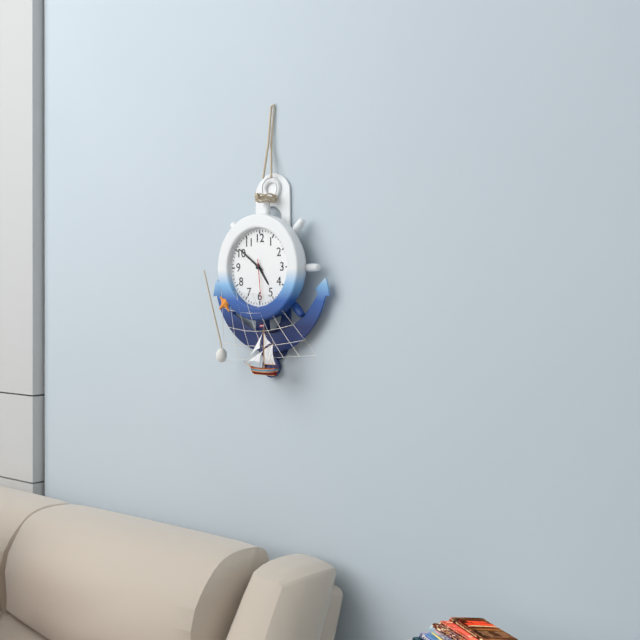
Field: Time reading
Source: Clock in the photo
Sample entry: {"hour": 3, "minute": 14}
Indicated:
{"hour": 4, "minute": 51}
